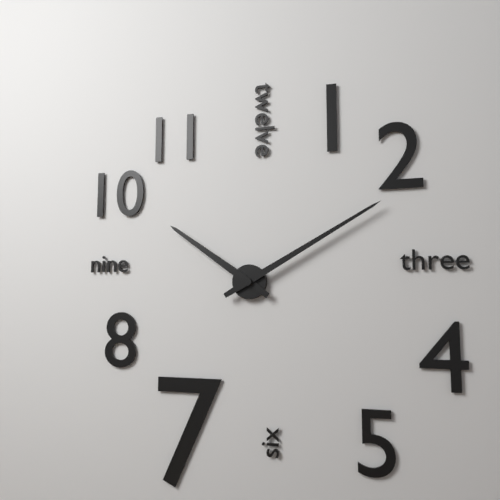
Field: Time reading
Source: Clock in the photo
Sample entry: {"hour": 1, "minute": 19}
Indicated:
{"hour": 10, "minute": 10}
